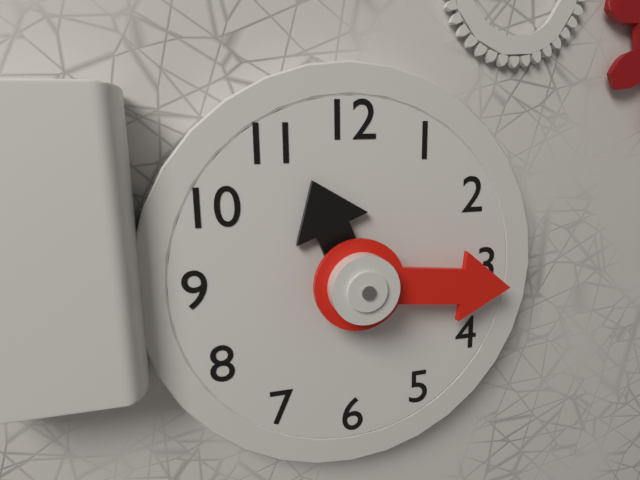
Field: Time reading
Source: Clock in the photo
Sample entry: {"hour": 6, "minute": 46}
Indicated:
{"hour": 11, "minute": 16}
